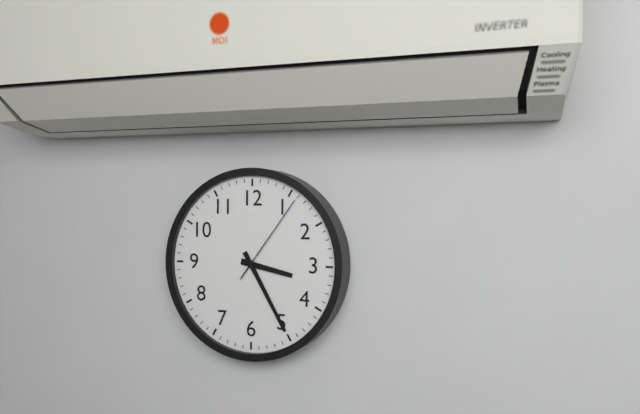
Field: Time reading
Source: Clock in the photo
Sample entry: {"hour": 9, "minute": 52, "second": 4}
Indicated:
{"hour": 3, "minute": 25, "second": 6}
